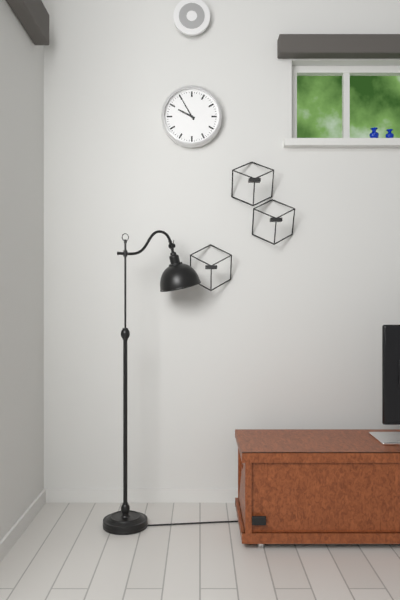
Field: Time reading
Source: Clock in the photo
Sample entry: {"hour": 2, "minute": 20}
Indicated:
{"hour": 9, "minute": 55}
